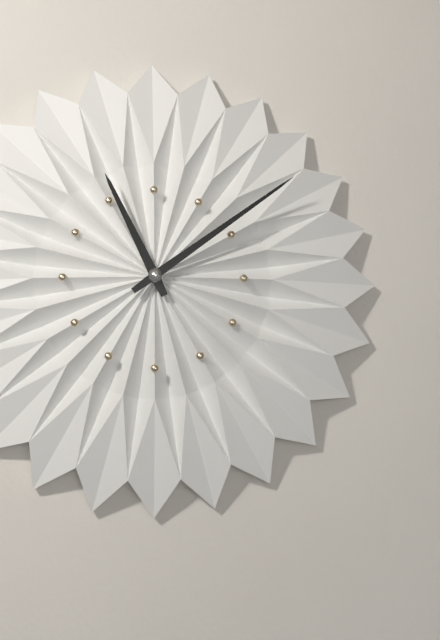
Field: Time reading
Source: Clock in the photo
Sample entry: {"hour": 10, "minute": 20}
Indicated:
{"hour": 11, "minute": 9}
